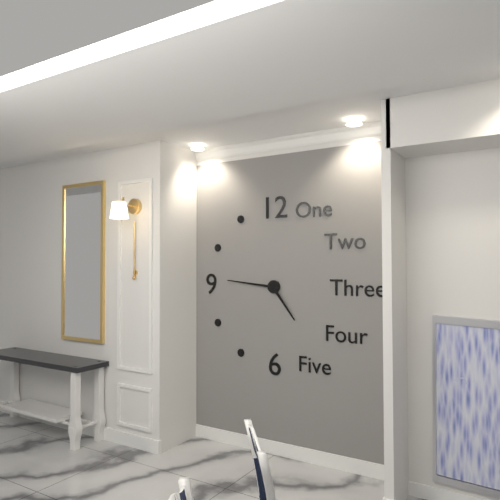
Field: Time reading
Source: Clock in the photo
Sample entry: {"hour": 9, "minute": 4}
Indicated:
{"hour": 4, "minute": 46}
